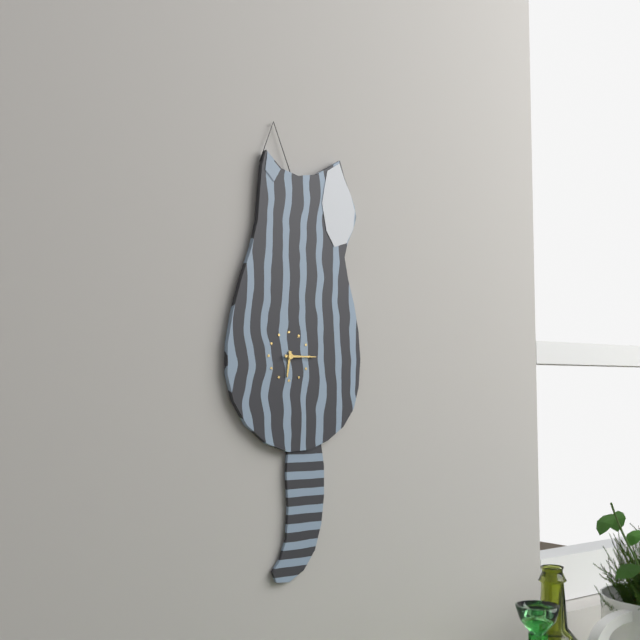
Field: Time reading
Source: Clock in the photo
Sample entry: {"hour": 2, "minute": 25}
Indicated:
{"hour": 6, "minute": 15}
